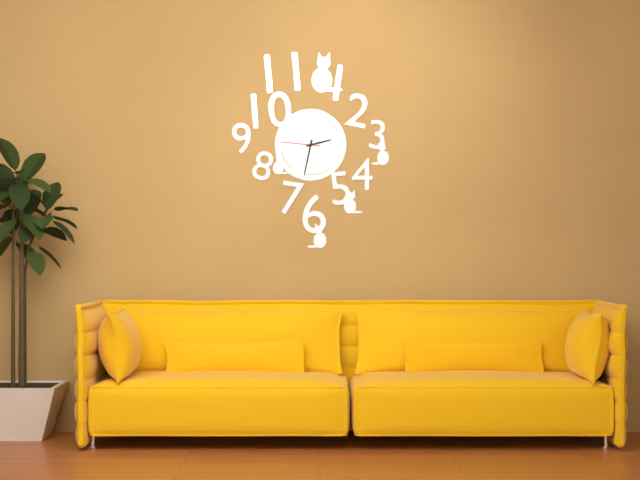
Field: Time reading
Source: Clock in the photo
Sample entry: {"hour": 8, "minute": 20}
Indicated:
{"hour": 2, "minute": 32}
